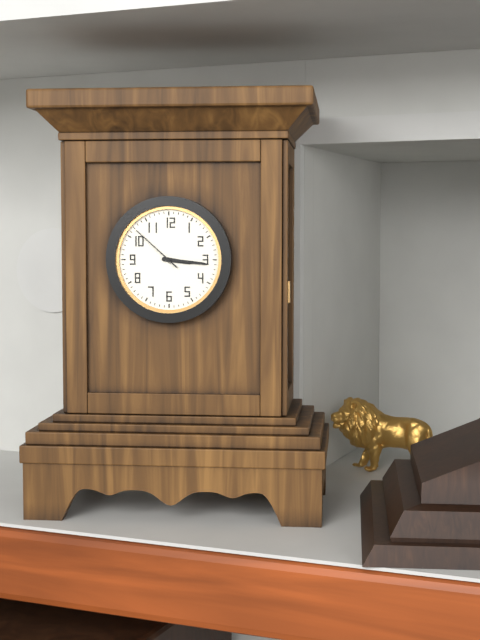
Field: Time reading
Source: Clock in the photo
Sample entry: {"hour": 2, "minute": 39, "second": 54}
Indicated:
{"hour": 3, "minute": 16, "second": 52}
